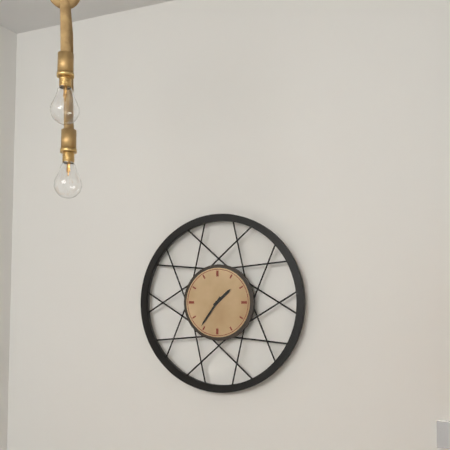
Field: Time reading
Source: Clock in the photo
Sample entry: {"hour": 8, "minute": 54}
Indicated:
{"hour": 1, "minute": 36}
